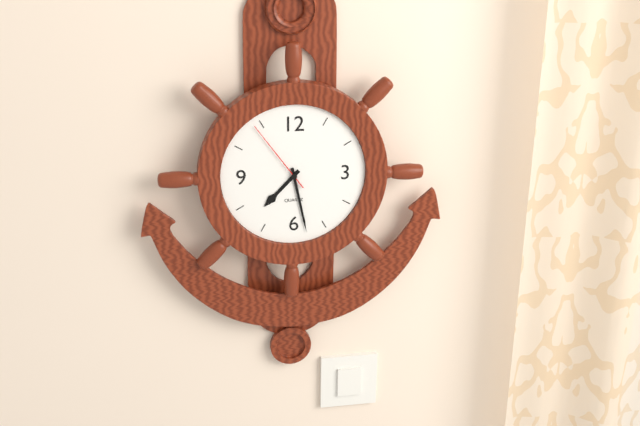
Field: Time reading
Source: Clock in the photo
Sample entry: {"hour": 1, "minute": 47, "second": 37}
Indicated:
{"hour": 7, "minute": 28, "second": 54}
